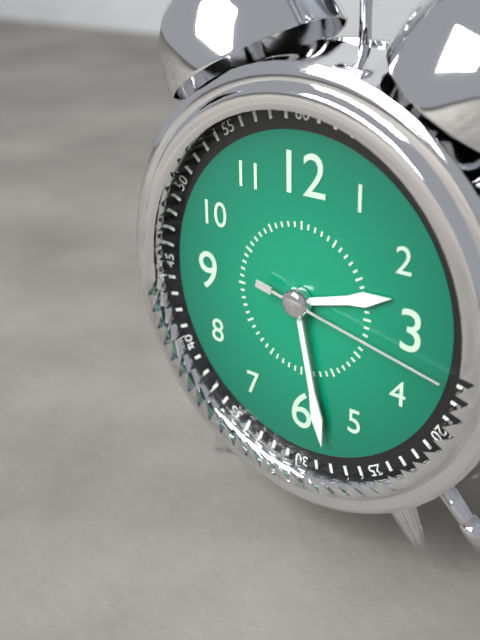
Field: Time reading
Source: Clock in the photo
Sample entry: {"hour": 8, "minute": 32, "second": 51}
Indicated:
{"hour": 2, "minute": 28, "second": 17}
